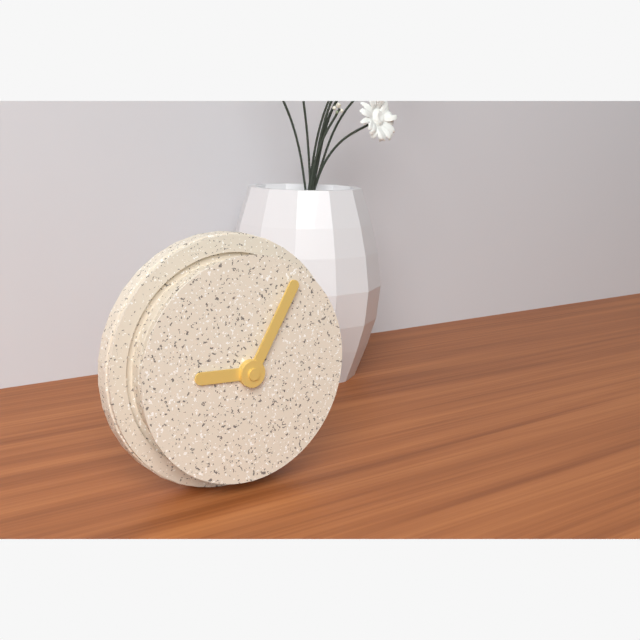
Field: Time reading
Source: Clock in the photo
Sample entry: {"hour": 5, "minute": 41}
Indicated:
{"hour": 9, "minute": 5}
